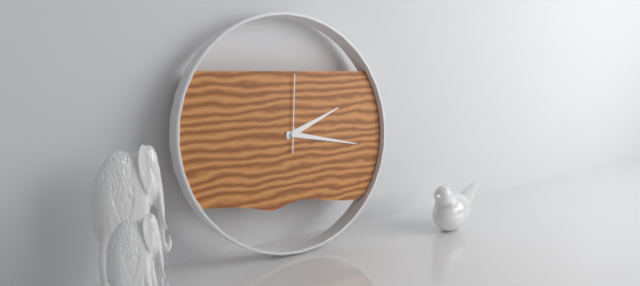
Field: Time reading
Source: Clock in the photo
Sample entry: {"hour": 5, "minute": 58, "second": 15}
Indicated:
{"hour": 2, "minute": 17, "second": 1}
